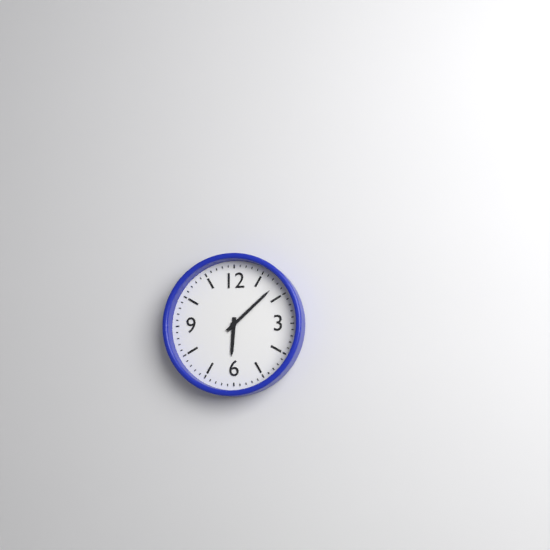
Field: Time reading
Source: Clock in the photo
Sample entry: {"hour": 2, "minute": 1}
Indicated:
{"hour": 6, "minute": 8}
